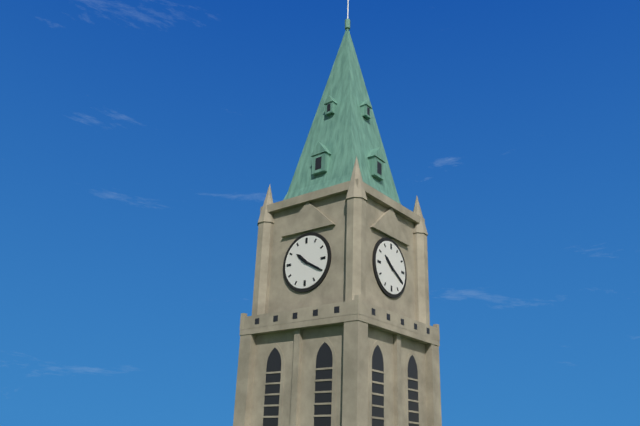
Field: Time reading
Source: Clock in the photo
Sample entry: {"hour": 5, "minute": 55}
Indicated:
{"hour": 10, "minute": 20}
